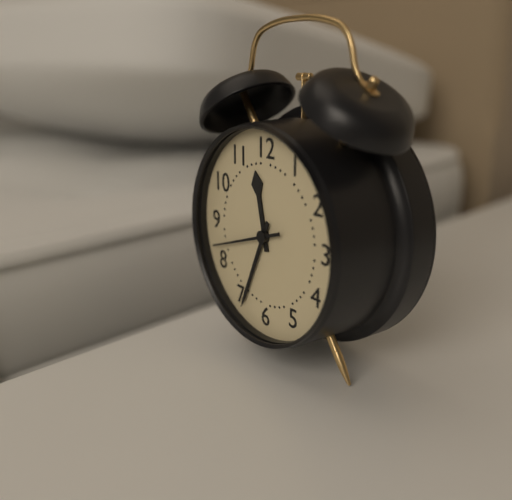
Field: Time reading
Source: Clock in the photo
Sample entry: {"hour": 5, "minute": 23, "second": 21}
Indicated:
{"hour": 11, "minute": 34, "second": 42}
